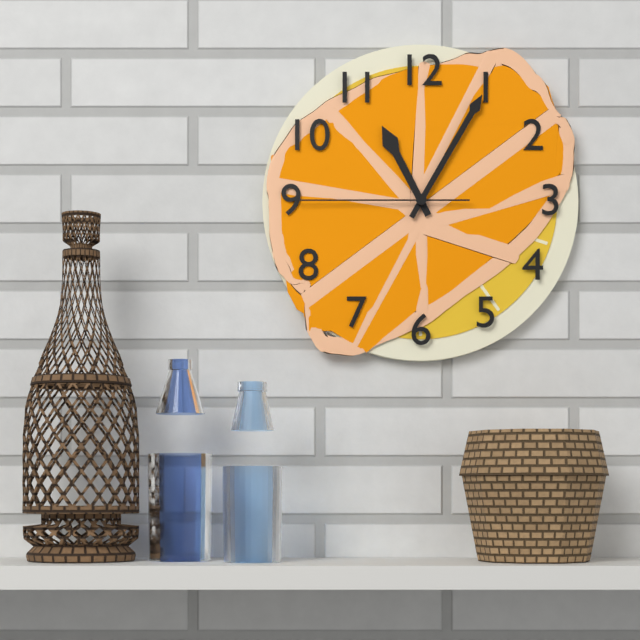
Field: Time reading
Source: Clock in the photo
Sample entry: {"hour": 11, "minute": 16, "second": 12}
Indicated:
{"hour": 11, "minute": 5, "second": 45}
